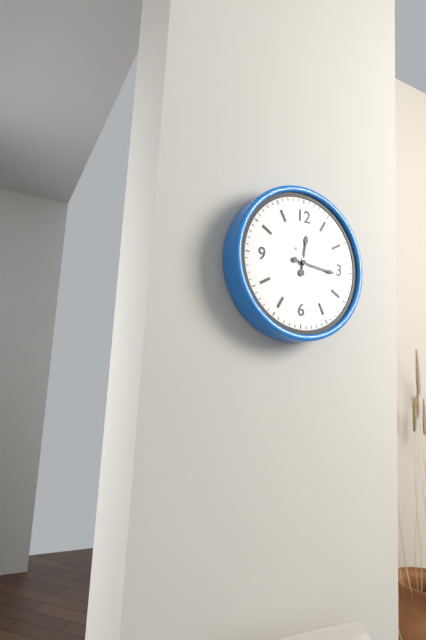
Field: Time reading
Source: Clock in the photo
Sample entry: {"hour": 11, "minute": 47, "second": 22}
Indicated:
{"hour": 12, "minute": 16, "second": 26}
